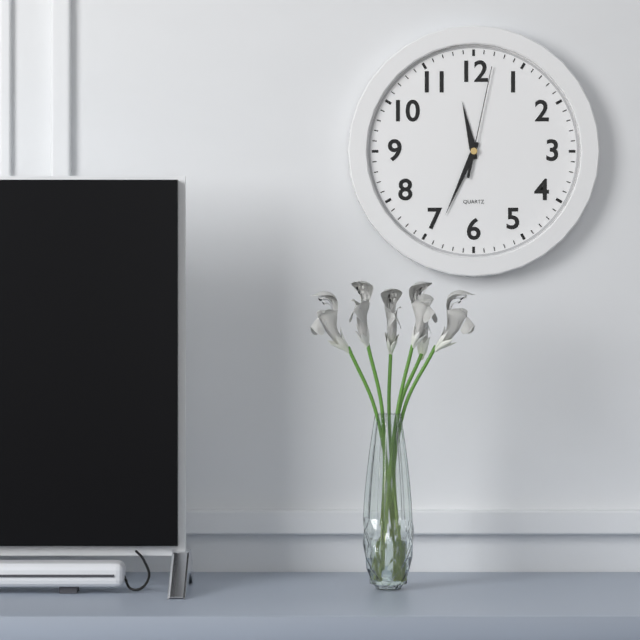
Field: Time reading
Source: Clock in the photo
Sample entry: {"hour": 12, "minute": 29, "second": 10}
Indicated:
{"hour": 11, "minute": 34, "second": 2}
